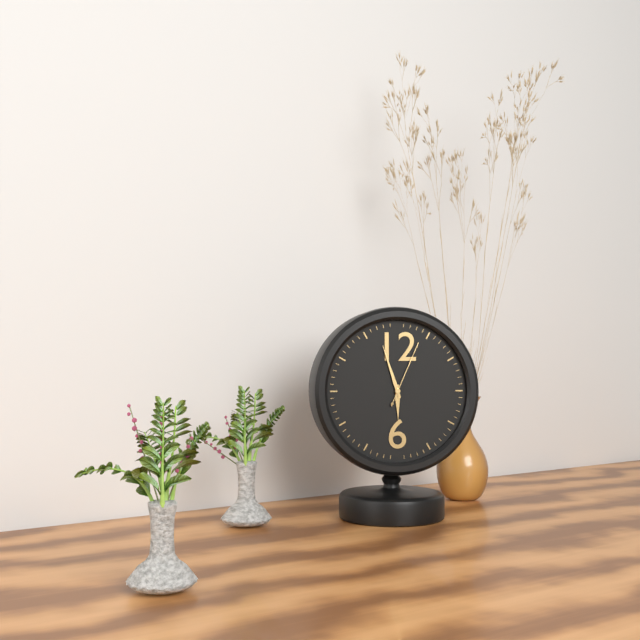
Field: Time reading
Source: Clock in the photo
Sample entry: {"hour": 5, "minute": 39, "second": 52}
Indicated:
{"hour": 5, "minute": 57, "second": 4}
